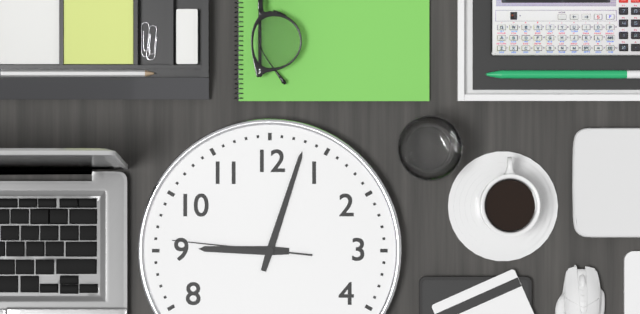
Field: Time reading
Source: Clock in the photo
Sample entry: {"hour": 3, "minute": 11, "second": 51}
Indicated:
{"hour": 9, "minute": 3, "second": 46}
